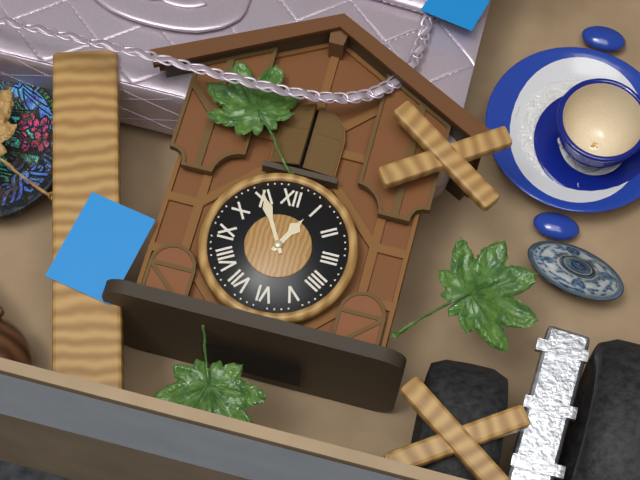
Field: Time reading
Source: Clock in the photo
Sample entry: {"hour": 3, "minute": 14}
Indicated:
{"hour": 12, "minute": 55}
